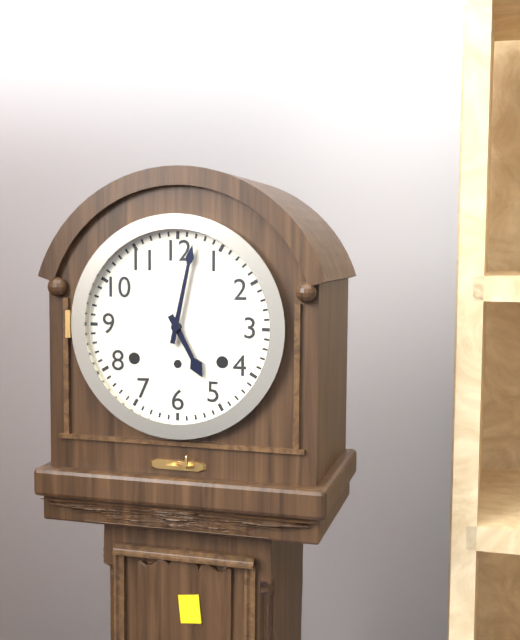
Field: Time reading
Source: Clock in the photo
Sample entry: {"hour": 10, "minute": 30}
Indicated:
{"hour": 5, "minute": 2}
